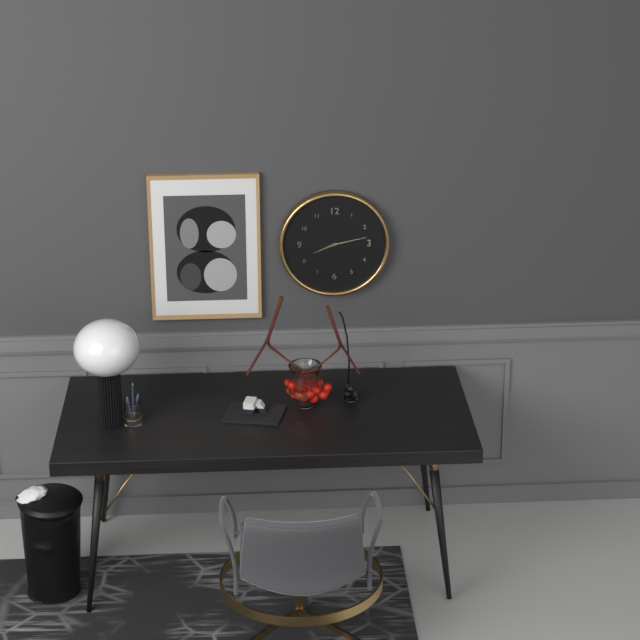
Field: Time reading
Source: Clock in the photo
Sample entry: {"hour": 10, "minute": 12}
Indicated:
{"hour": 8, "minute": 13}
